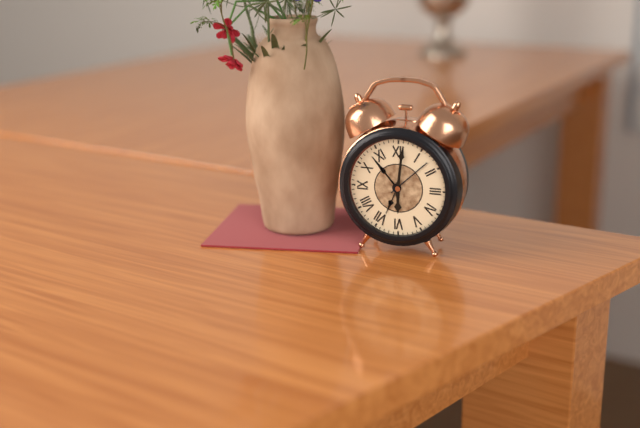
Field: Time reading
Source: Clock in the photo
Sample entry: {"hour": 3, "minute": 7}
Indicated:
{"hour": 6, "minute": 1}
